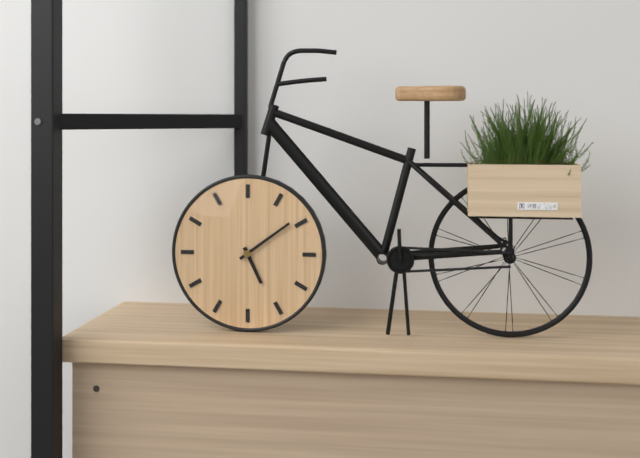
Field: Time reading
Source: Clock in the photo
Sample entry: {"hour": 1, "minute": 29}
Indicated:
{"hour": 5, "minute": 9}
